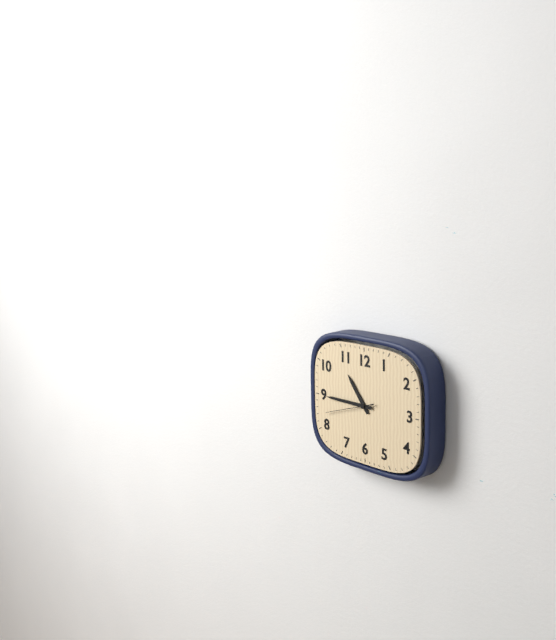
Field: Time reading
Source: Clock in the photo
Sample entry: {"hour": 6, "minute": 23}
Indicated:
{"hour": 10, "minute": 45}
